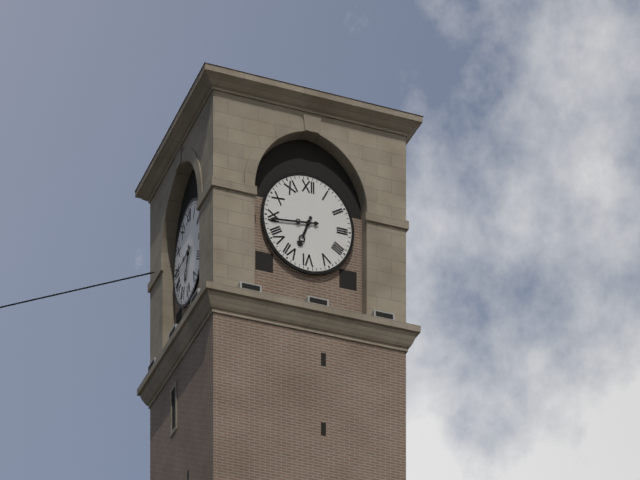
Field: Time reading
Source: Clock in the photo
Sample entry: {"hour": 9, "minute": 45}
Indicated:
{"hour": 6, "minute": 44}
